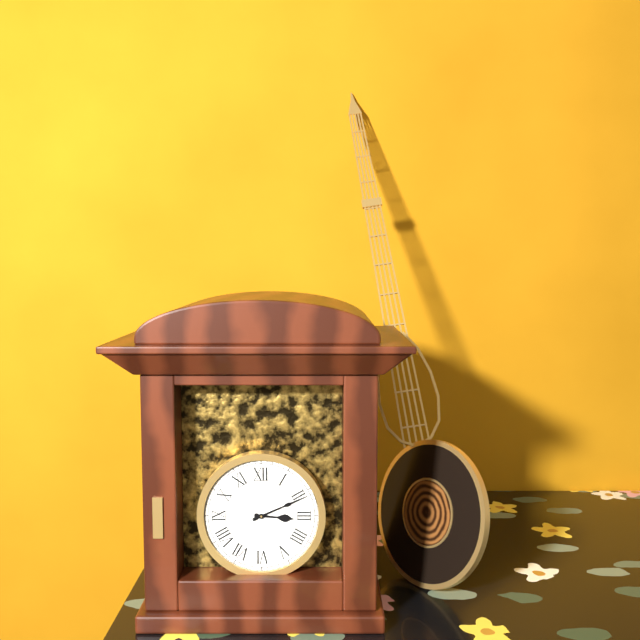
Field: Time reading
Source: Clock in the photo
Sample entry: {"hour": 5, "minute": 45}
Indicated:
{"hour": 3, "minute": 11}
